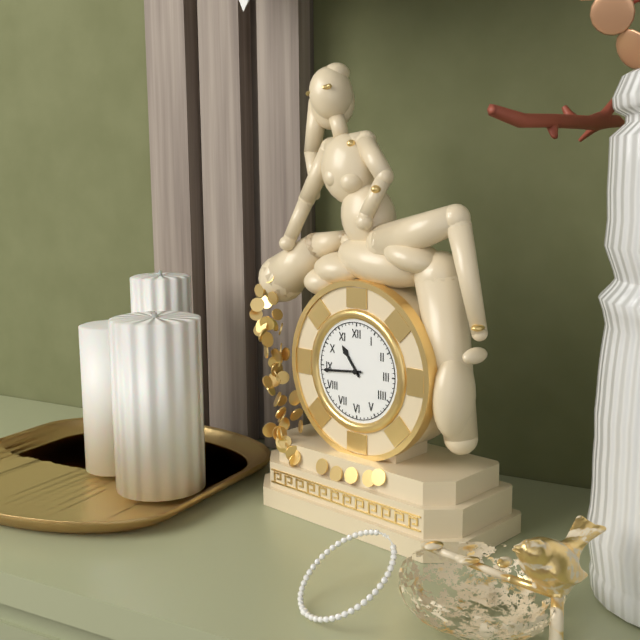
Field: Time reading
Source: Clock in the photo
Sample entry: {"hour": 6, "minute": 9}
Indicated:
{"hour": 10, "minute": 44}
